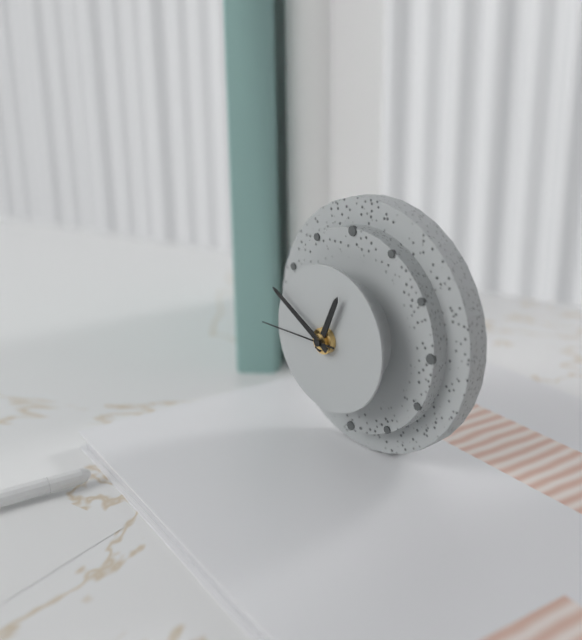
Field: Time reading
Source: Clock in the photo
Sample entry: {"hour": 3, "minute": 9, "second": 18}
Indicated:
{"hour": 12, "minute": 50, "second": 45}
